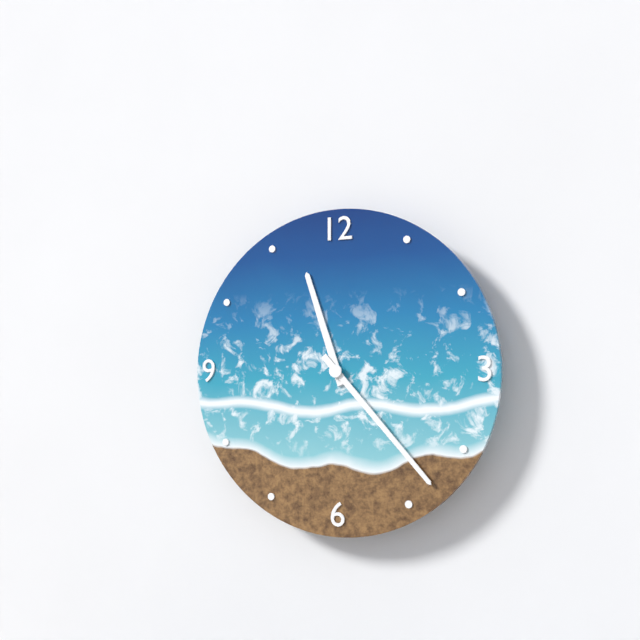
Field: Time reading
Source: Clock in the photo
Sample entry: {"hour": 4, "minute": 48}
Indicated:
{"hour": 11, "minute": 23}
